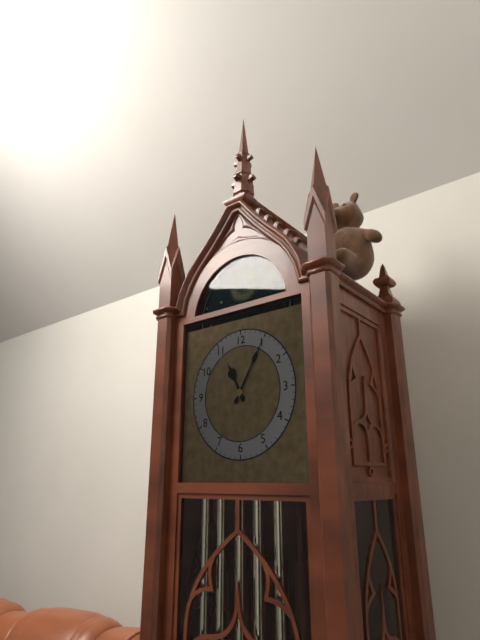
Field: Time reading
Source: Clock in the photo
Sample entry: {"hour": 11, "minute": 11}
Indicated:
{"hour": 11, "minute": 5}
